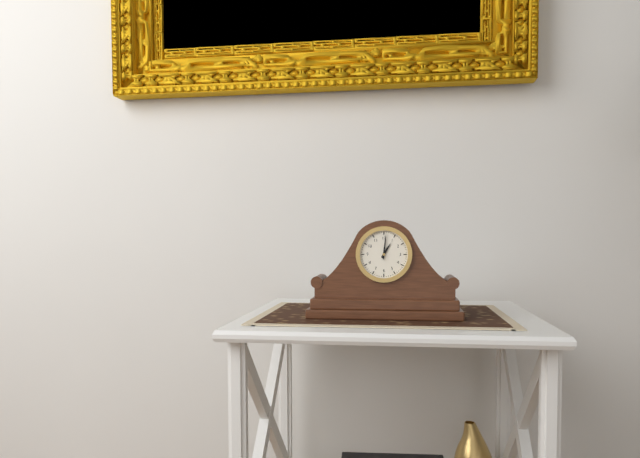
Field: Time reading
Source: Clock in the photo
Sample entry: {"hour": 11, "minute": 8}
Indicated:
{"hour": 1, "minute": 1}
